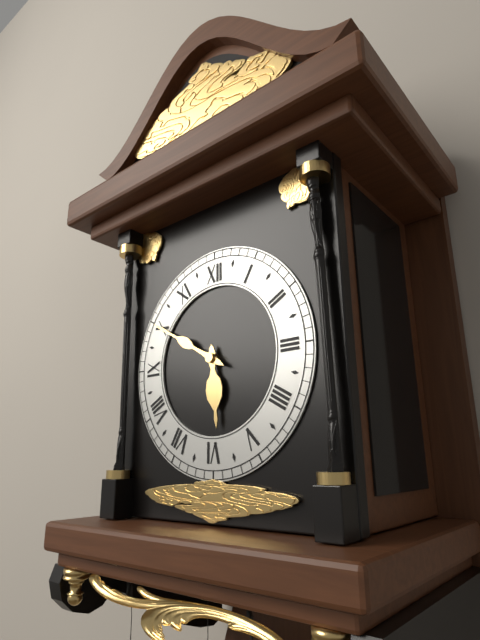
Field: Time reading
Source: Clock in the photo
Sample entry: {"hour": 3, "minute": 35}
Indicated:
{"hour": 5, "minute": 50}
